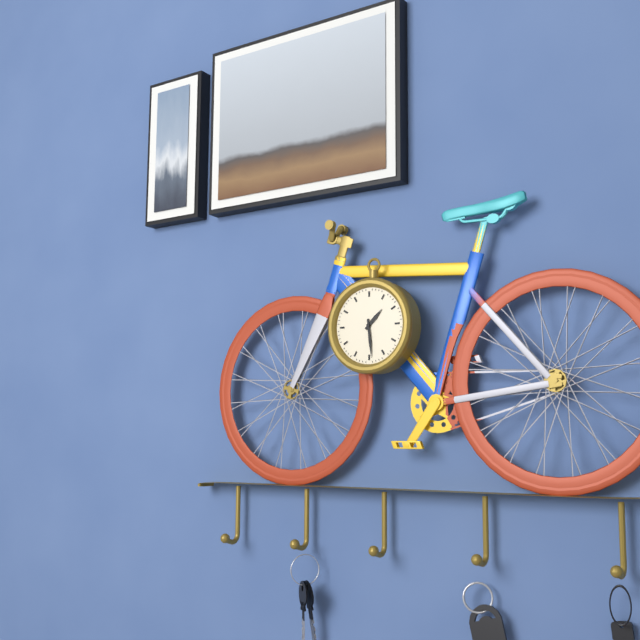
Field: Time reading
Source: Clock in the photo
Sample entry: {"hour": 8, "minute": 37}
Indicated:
{"hour": 1, "minute": 29}
